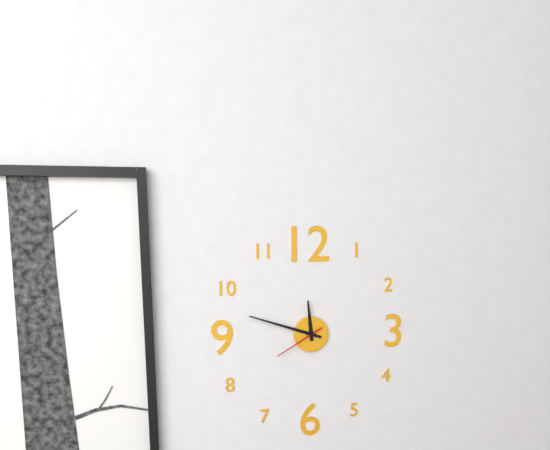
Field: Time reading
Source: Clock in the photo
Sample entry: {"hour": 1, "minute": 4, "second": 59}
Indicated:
{"hour": 11, "minute": 48, "second": 40}
